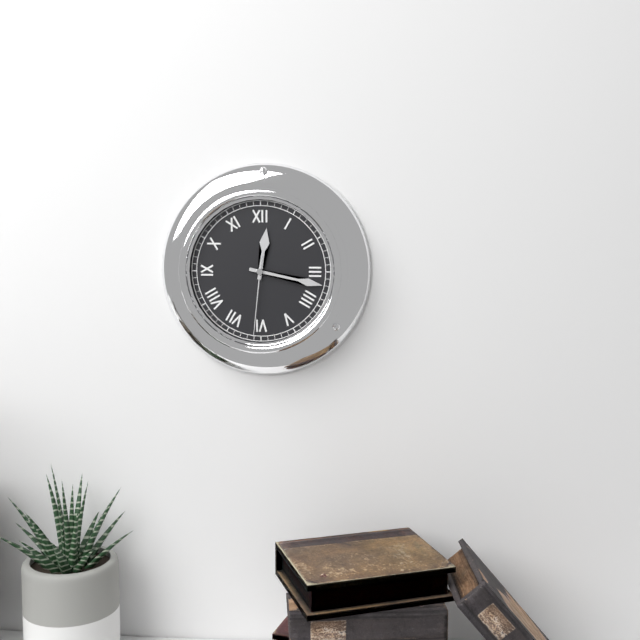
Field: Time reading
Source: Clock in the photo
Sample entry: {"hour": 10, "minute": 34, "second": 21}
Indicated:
{"hour": 12, "minute": 17, "second": 31}
